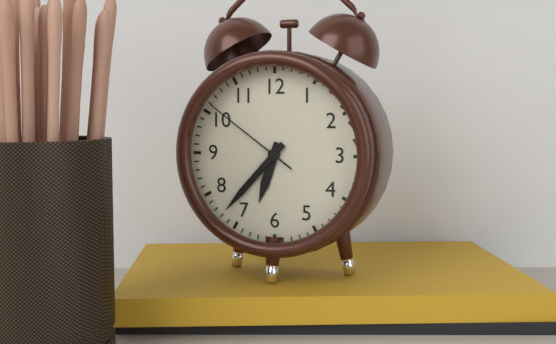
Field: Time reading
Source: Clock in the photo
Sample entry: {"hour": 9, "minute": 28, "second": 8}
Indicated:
{"hour": 6, "minute": 37, "second": 51}
